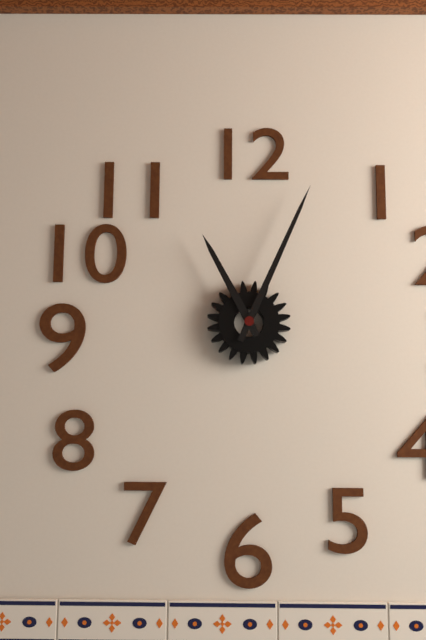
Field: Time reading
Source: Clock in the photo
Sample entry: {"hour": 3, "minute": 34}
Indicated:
{"hour": 11, "minute": 4}
